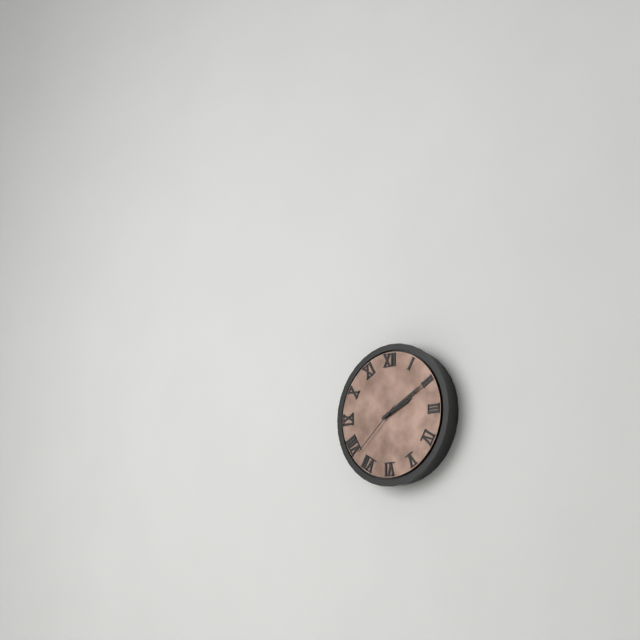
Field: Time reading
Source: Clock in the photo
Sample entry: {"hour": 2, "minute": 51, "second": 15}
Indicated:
{"hour": 2, "minute": 10, "second": 38}
